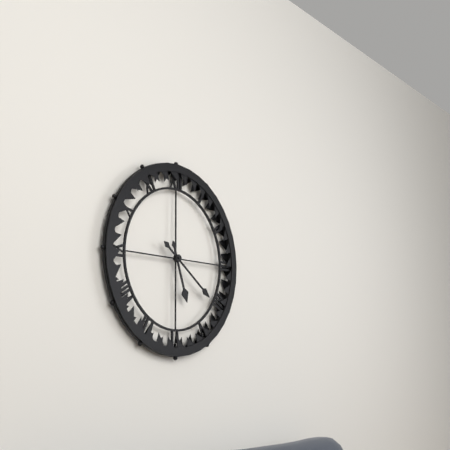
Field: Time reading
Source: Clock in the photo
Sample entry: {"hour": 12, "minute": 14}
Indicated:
{"hour": 5, "minute": 21}
